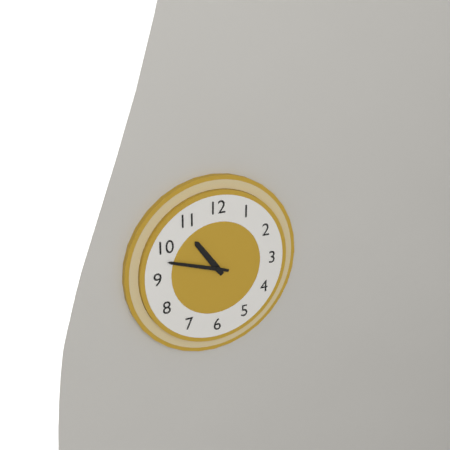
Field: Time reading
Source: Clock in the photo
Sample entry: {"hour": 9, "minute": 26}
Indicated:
{"hour": 10, "minute": 48}
